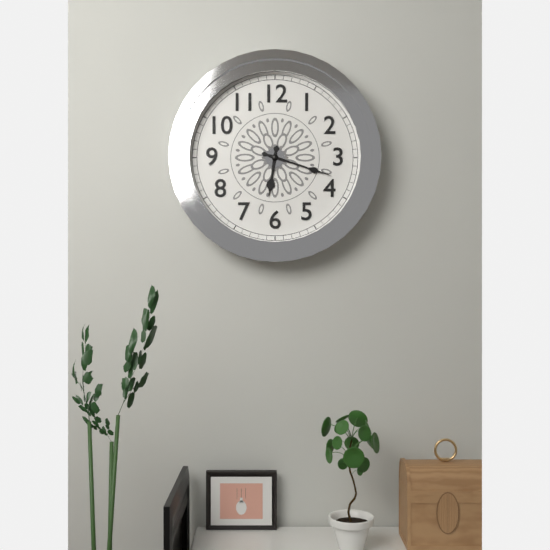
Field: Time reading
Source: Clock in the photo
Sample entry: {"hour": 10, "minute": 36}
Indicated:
{"hour": 6, "minute": 18}
